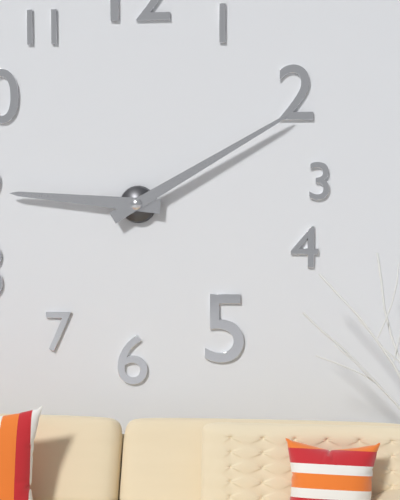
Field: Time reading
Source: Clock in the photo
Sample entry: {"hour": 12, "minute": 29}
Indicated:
{"hour": 9, "minute": 10}
